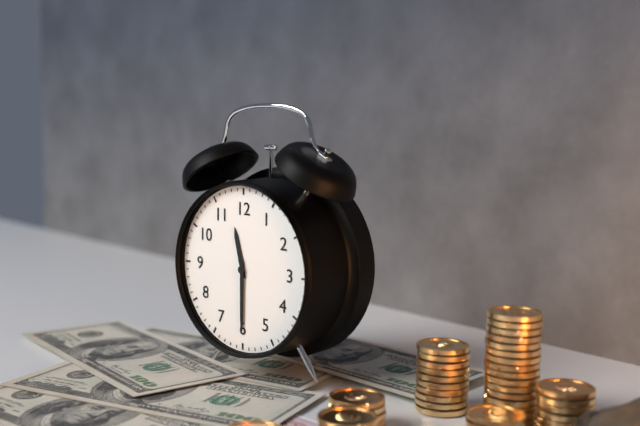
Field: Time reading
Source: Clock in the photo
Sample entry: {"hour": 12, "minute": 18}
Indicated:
{"hour": 11, "minute": 30}
